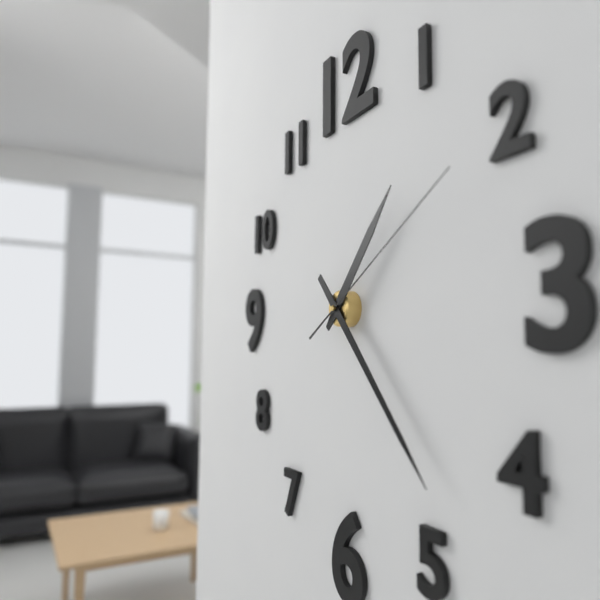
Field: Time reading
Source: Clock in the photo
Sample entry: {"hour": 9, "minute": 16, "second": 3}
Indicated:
{"hour": 1, "minute": 23, "second": 10}
